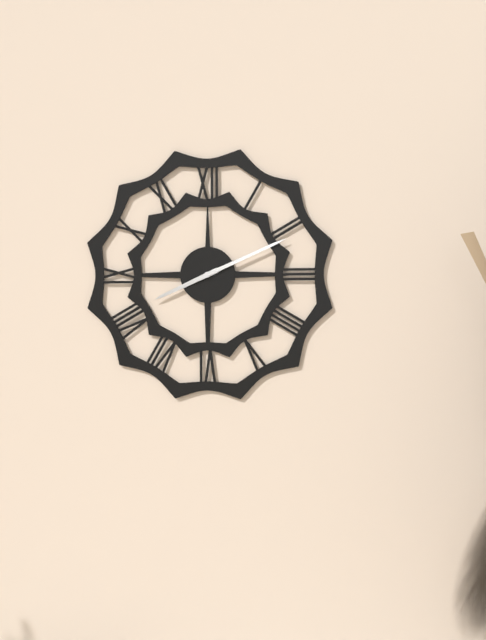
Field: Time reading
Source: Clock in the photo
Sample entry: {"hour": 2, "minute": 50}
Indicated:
{"hour": 8, "minute": 11}
